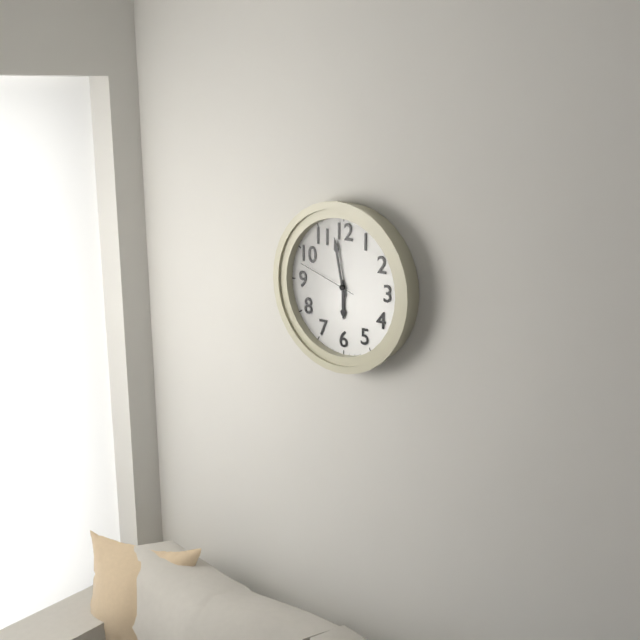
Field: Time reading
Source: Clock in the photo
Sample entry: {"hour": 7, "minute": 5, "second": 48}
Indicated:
{"hour": 5, "minute": 58, "second": 48}
